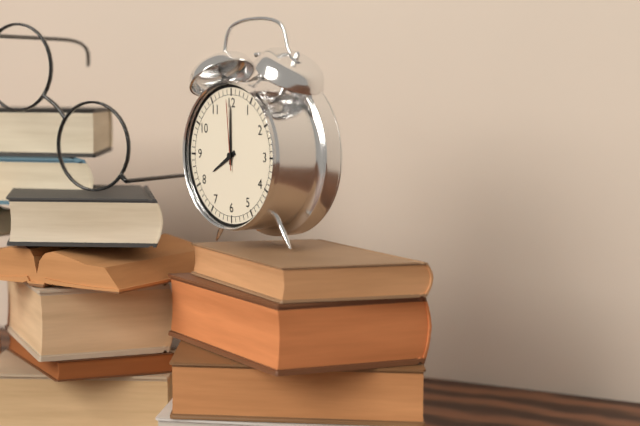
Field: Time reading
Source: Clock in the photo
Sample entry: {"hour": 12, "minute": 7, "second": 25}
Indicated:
{"hour": 8, "minute": 0, "second": 59}
